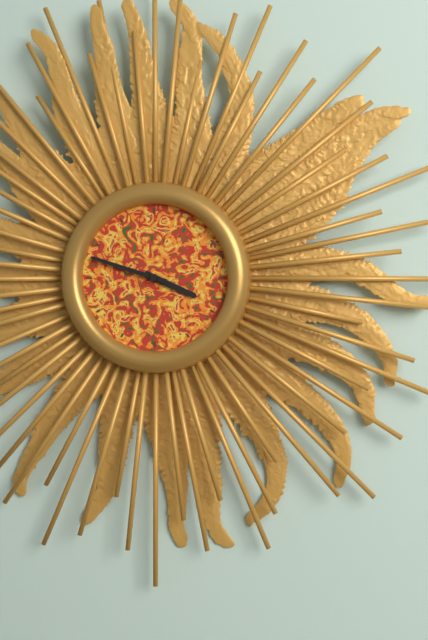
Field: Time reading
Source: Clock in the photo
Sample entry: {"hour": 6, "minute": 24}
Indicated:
{"hour": 3, "minute": 48}
